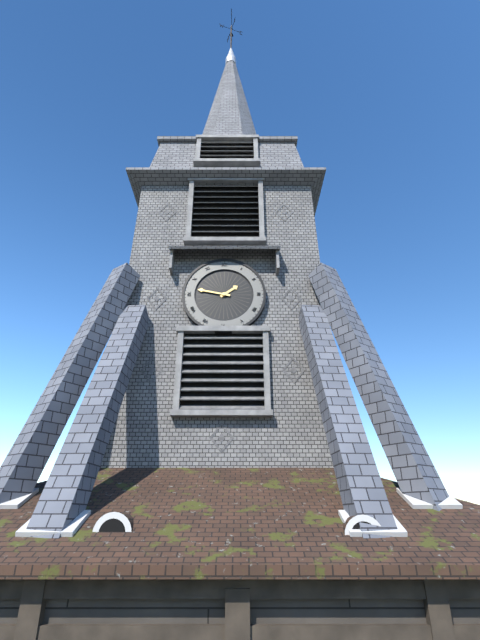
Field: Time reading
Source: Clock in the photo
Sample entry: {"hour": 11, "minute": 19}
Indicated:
{"hour": 1, "minute": 47}
